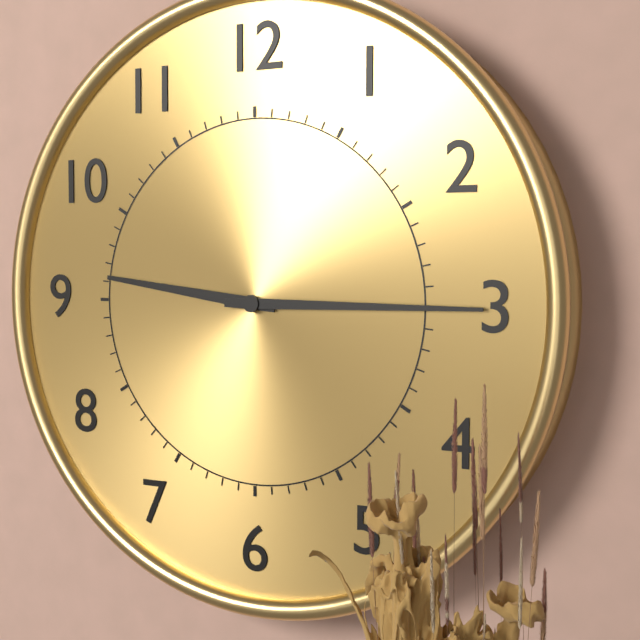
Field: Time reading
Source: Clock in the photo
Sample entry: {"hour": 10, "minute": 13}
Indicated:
{"hour": 9, "minute": 15}
